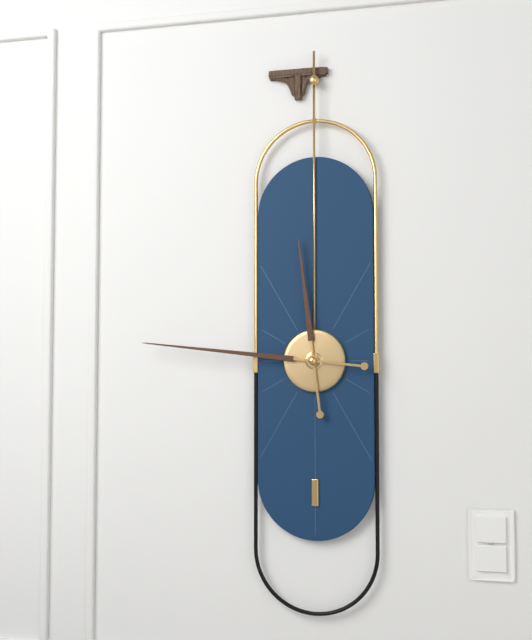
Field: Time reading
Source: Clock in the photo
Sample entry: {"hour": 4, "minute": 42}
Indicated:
{"hour": 11, "minute": 46}
